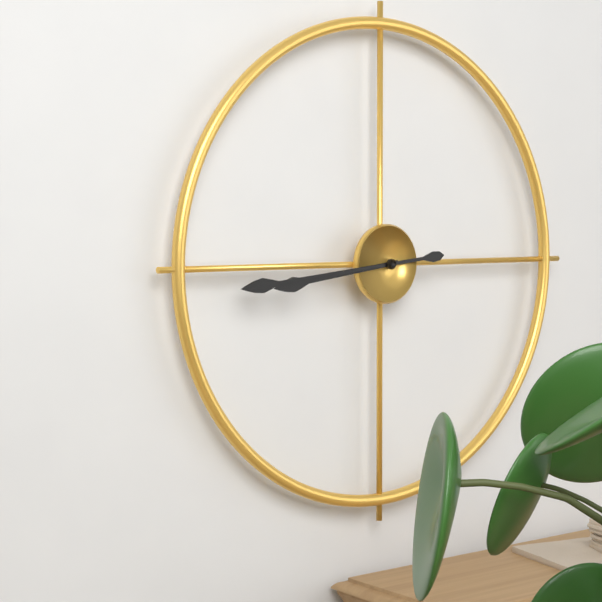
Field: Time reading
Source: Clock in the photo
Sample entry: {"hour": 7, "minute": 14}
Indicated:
{"hour": 8, "minute": 44}
